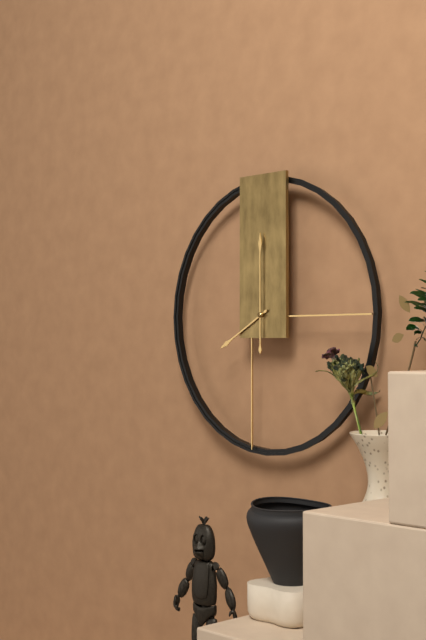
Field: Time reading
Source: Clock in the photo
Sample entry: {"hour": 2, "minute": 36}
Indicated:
{"hour": 8, "minute": 0}
